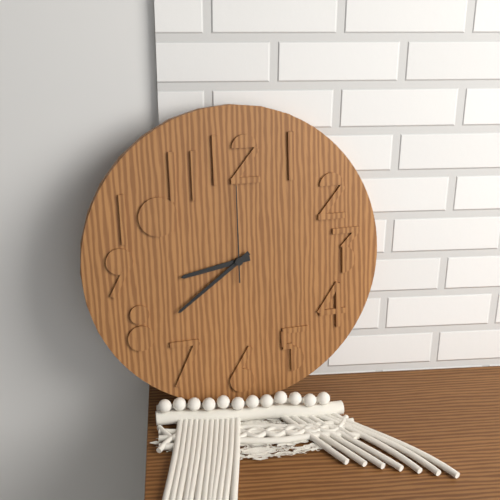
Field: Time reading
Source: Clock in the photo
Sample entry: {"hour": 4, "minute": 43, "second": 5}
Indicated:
{"hour": 8, "minute": 39, "second": 0}
